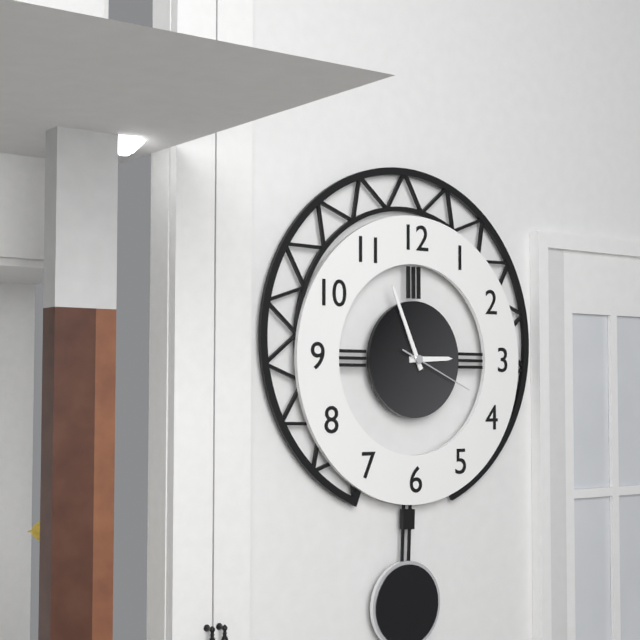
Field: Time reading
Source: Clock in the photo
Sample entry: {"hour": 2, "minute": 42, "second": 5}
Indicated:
{"hour": 2, "minute": 56, "second": 19}
